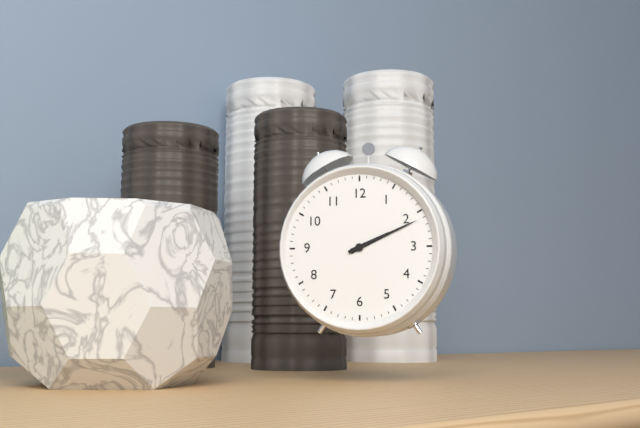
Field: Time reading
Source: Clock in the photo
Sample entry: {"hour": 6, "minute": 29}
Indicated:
{"hour": 2, "minute": 11}
